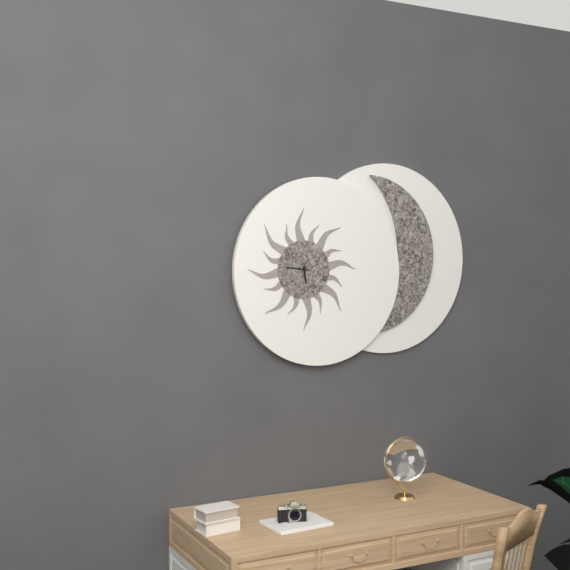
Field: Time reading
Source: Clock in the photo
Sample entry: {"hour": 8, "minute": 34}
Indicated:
{"hour": 5, "minute": 46}
